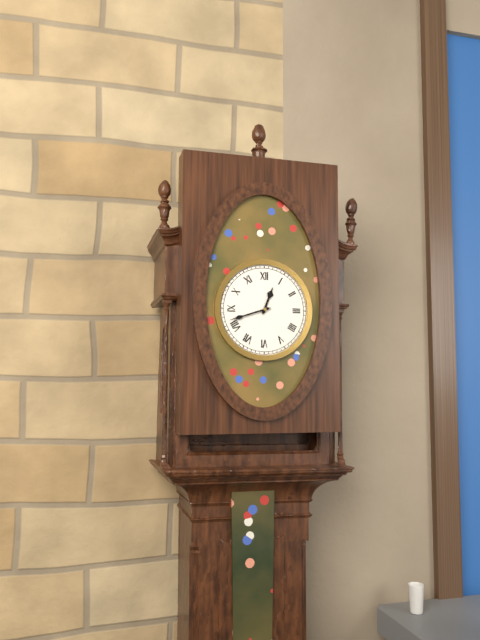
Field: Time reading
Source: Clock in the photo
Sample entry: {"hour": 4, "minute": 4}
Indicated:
{"hour": 12, "minute": 42}
